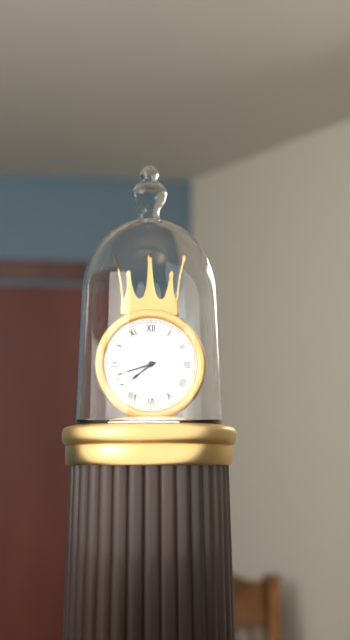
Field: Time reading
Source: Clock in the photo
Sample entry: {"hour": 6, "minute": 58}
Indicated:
{"hour": 7, "minute": 42}
